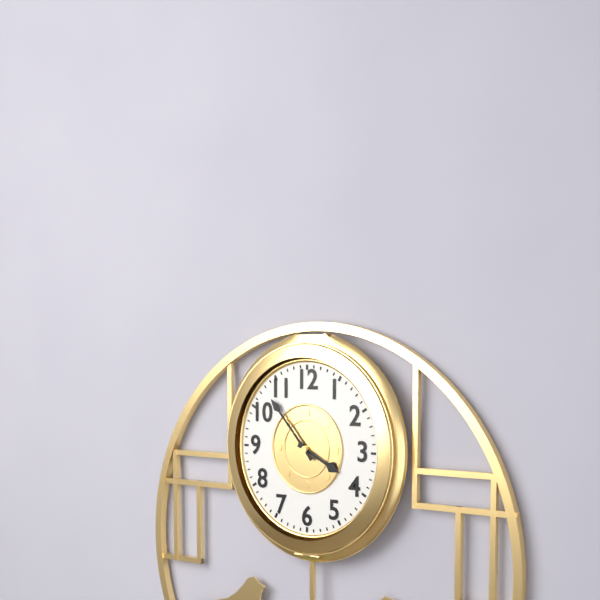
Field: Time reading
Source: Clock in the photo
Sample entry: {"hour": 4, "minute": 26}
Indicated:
{"hour": 3, "minute": 53}
